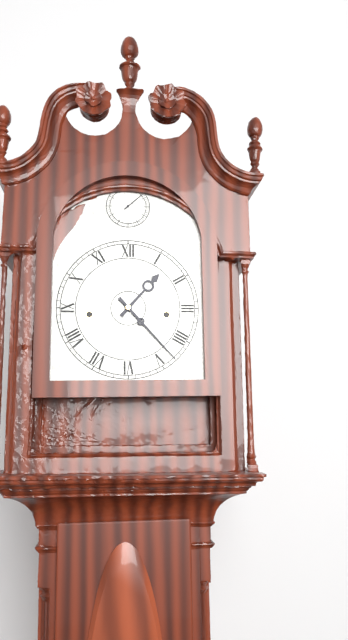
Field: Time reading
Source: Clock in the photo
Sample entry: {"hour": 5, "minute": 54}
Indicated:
{"hour": 1, "minute": 23}
